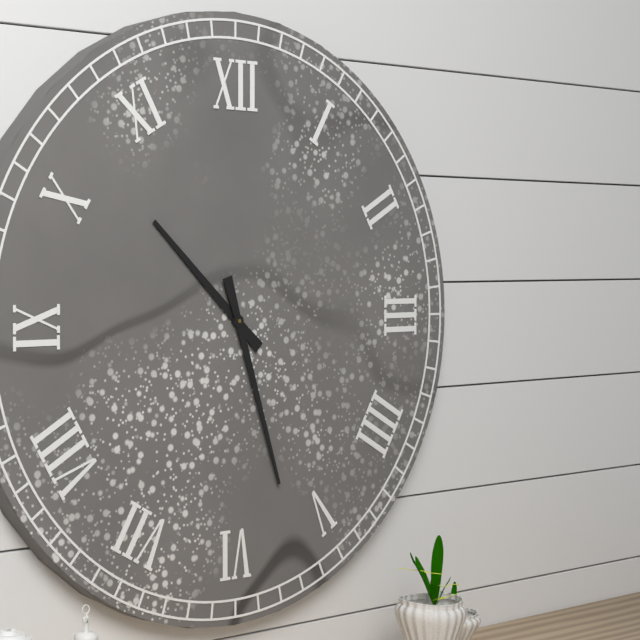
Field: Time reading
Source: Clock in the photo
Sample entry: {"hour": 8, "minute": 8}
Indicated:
{"hour": 10, "minute": 27}
